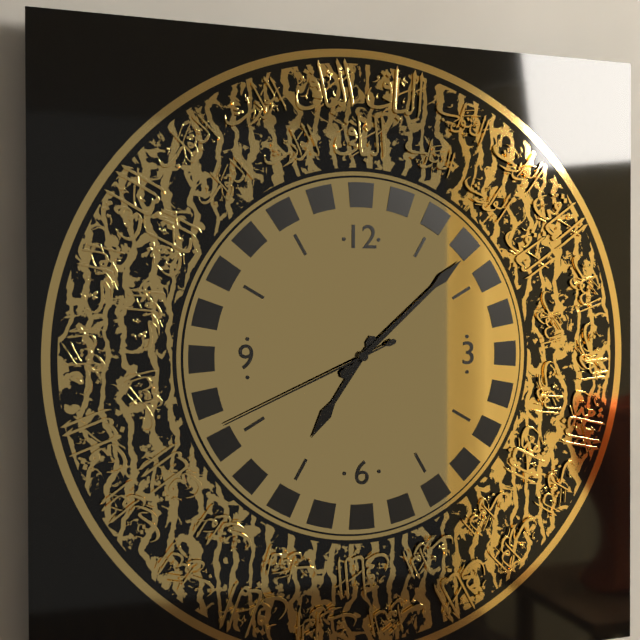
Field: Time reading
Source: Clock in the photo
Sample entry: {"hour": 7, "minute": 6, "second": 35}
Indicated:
{"hour": 7, "minute": 8, "second": 41}
